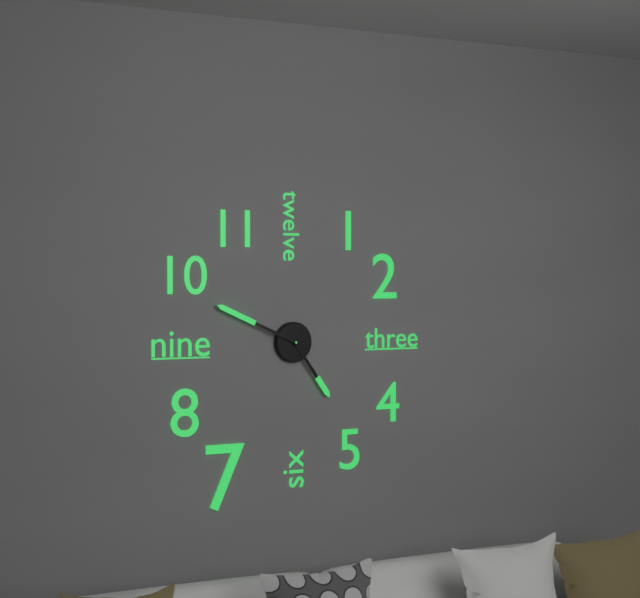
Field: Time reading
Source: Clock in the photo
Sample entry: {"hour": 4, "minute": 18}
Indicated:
{"hour": 4, "minute": 49}
